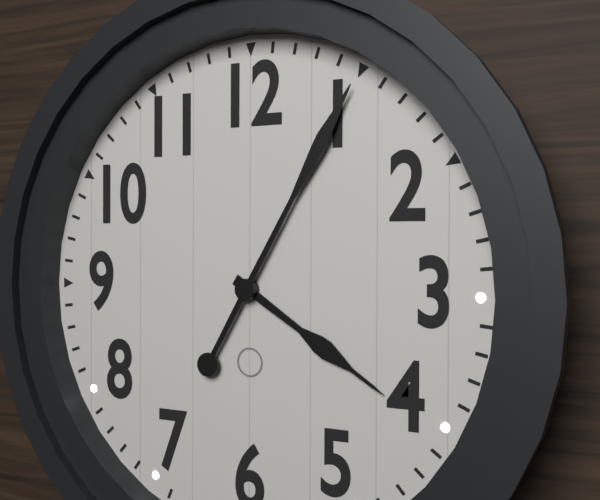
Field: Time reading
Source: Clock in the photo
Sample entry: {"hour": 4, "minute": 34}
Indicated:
{"hour": 4, "minute": 5}
